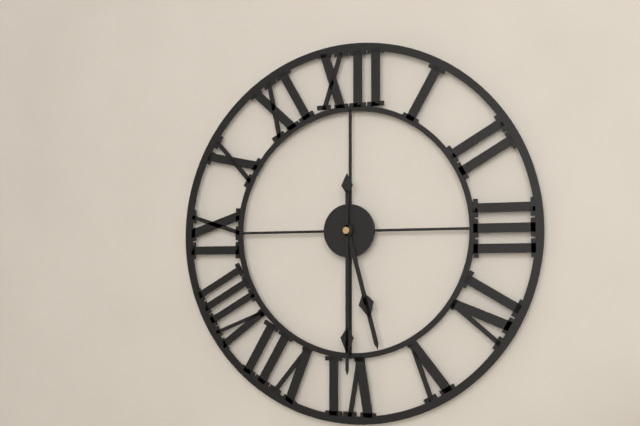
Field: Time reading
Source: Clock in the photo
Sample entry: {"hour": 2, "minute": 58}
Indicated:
{"hour": 5, "minute": 30}
